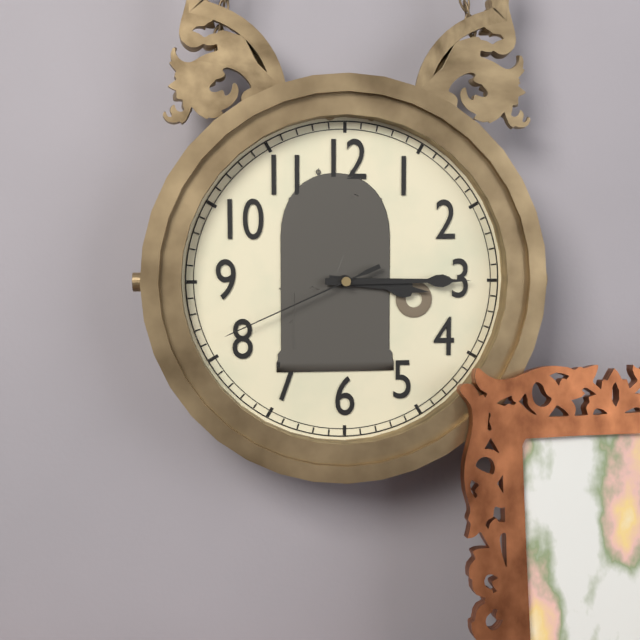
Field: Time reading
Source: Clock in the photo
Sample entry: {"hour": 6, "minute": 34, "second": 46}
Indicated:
{"hour": 3, "minute": 15, "second": 41}
